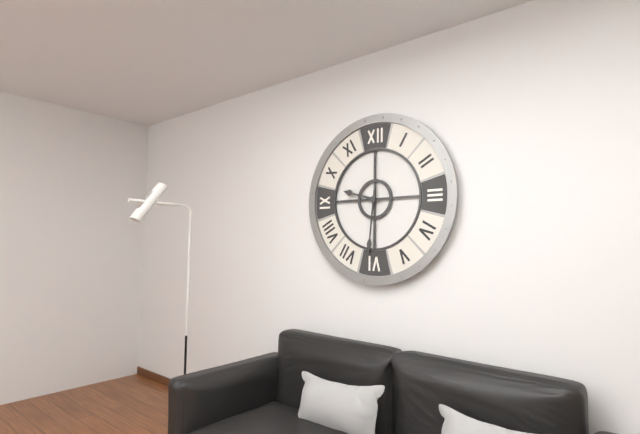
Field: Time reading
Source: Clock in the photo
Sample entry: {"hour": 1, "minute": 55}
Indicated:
{"hour": 9, "minute": 31}
